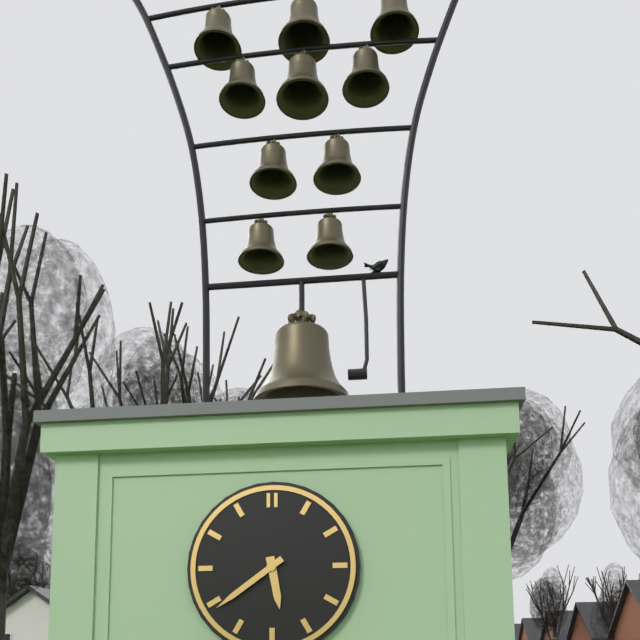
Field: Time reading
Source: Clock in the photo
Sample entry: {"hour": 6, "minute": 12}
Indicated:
{"hour": 5, "minute": 39}
